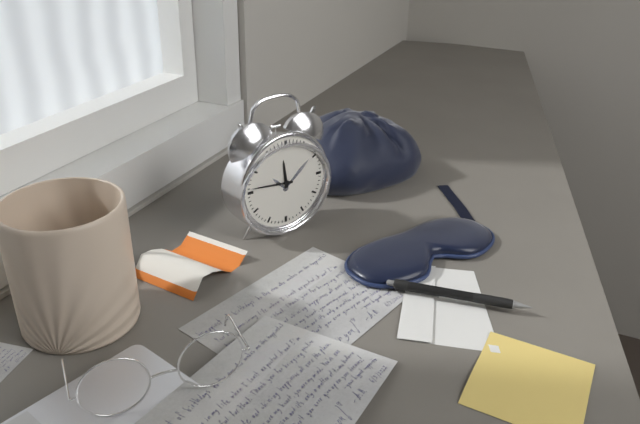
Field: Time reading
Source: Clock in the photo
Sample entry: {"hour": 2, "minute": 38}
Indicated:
{"hour": 11, "minute": 46}
